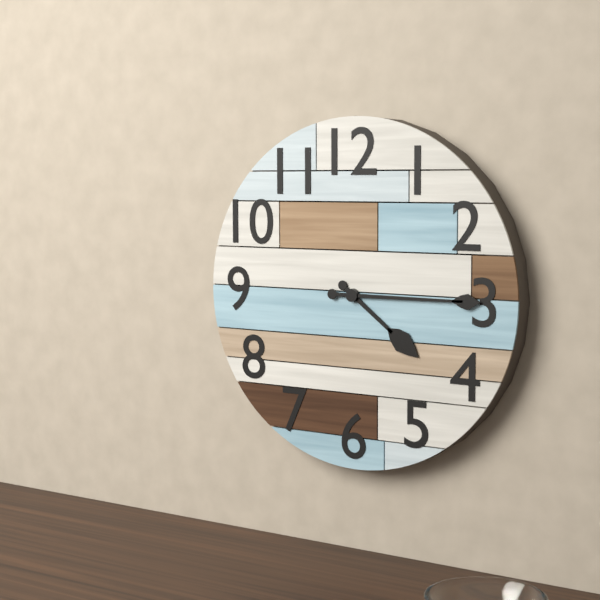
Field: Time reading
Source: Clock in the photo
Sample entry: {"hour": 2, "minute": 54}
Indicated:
{"hour": 4, "minute": 15}
